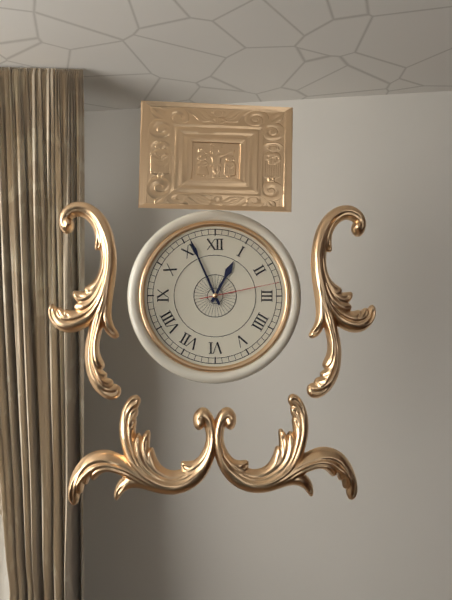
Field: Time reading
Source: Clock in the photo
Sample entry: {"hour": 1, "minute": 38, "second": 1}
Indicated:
{"hour": 12, "minute": 56, "second": 13}
